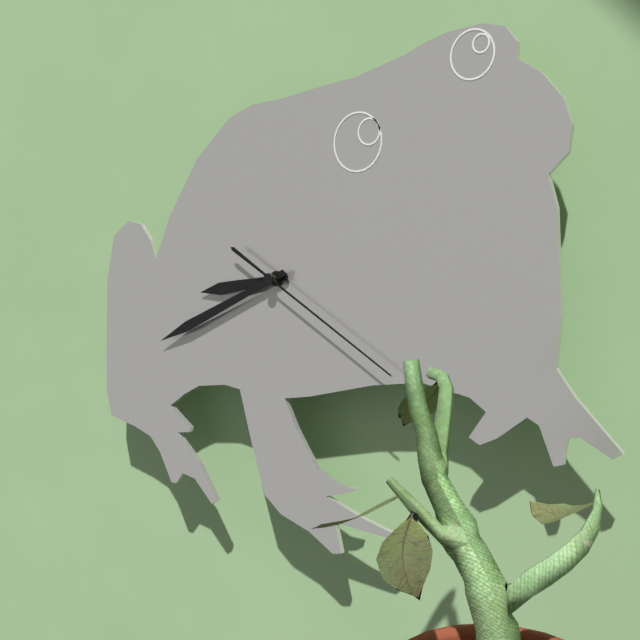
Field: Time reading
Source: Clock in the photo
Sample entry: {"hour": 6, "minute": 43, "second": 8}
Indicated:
{"hour": 8, "minute": 41, "second": 20}
